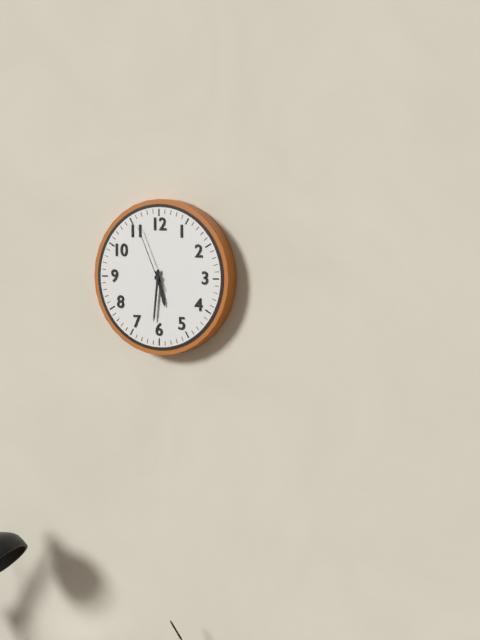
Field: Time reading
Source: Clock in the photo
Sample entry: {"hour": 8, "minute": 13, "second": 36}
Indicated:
{"hour": 5, "minute": 31, "second": 56}
